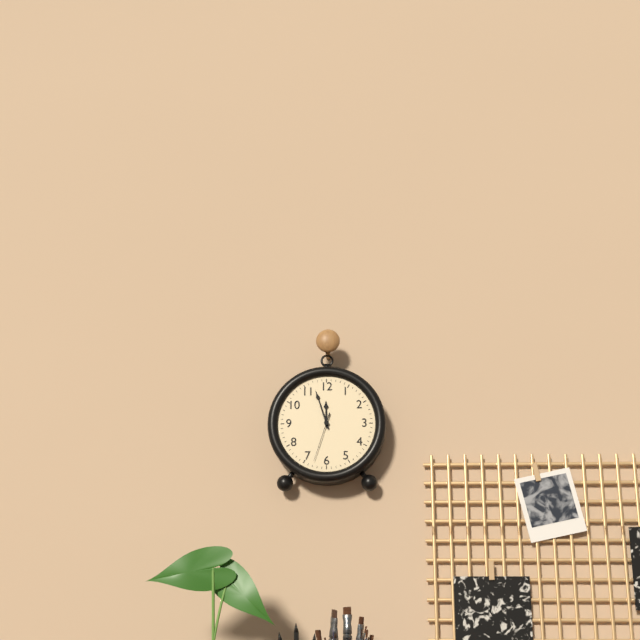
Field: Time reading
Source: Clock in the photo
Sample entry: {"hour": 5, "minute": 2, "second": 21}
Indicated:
{"hour": 11, "minute": 57, "second": 33}
